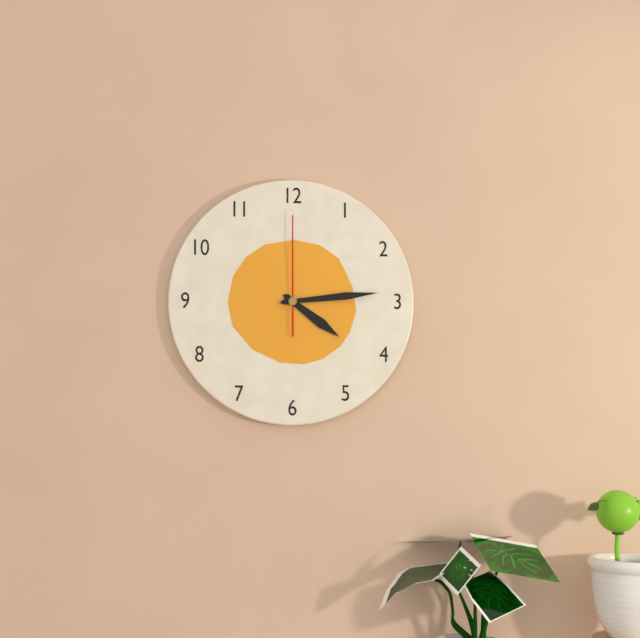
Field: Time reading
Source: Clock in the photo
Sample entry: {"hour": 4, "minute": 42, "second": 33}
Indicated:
{"hour": 4, "minute": 14, "second": 0}
